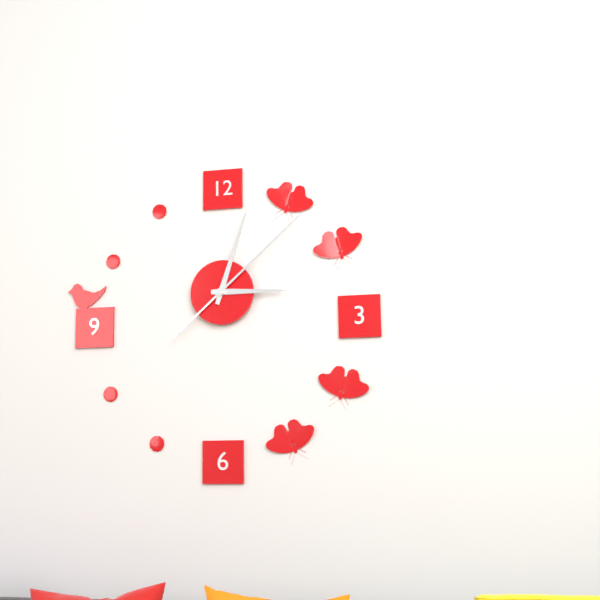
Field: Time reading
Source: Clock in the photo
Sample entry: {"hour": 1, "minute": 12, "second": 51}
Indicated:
{"hour": 3, "minute": 3, "second": 8}
